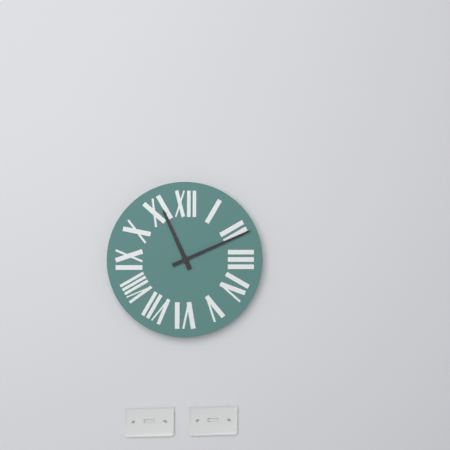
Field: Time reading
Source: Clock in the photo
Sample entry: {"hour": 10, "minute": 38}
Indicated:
{"hour": 11, "minute": 11}
